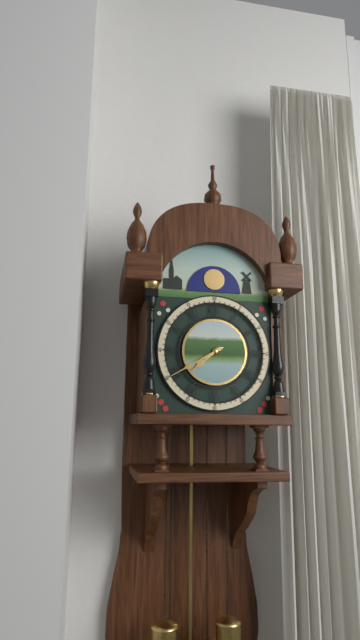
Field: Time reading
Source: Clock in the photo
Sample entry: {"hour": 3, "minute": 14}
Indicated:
{"hour": 7, "minute": 40}
